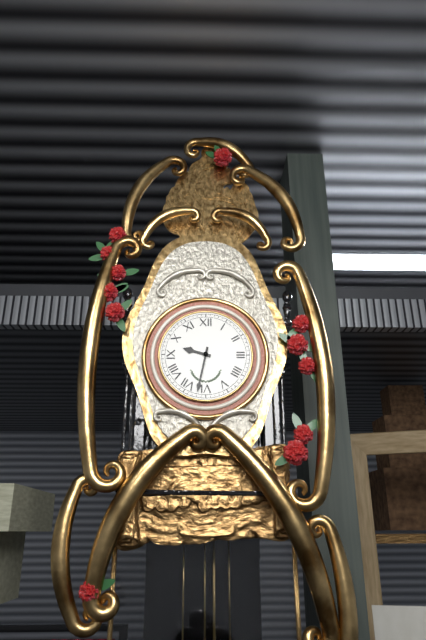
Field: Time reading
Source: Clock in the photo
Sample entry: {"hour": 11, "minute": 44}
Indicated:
{"hour": 9, "minute": 32}
